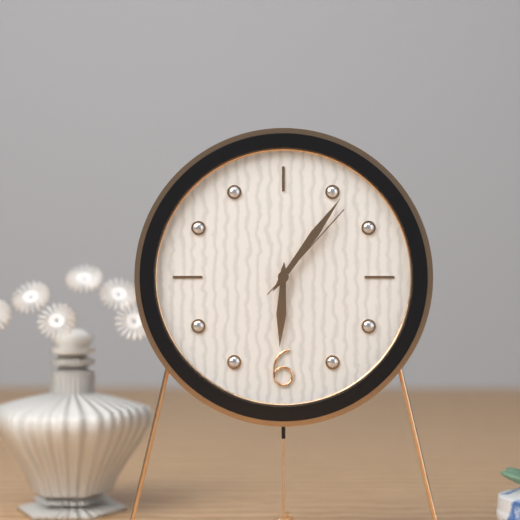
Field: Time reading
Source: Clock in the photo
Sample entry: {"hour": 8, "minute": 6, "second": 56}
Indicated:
{"hour": 6, "minute": 6, "second": 7}
